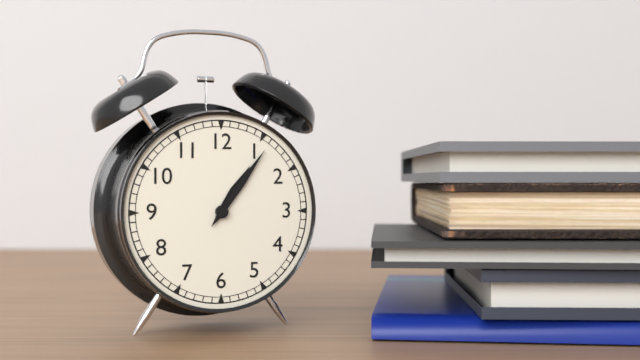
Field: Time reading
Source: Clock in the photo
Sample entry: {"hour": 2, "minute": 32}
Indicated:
{"hour": 1, "minute": 6}
